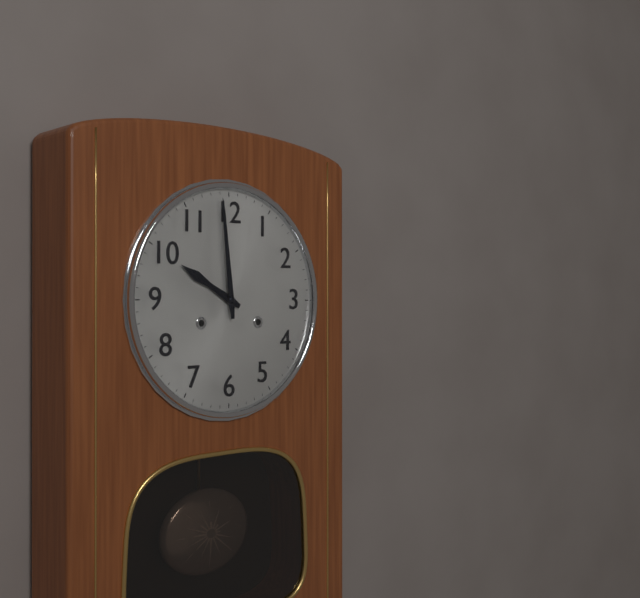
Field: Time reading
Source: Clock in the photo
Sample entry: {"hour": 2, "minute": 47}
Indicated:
{"hour": 9, "minute": 59}
